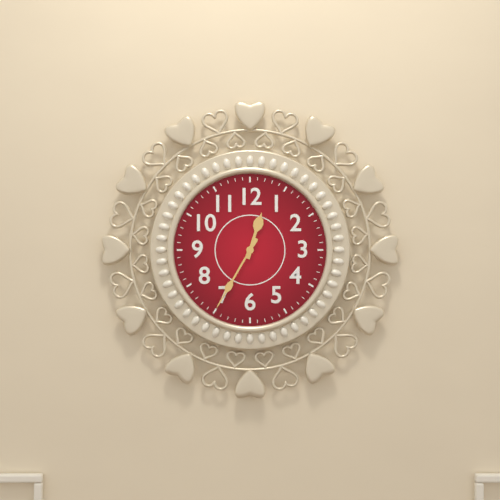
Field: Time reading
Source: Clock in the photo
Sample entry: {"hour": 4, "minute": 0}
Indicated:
{"hour": 12, "minute": 35}
